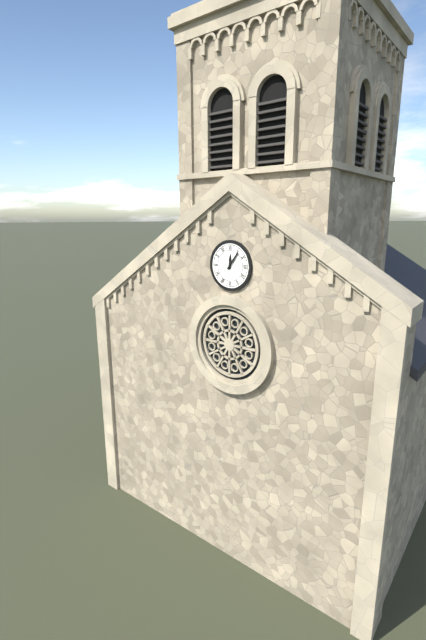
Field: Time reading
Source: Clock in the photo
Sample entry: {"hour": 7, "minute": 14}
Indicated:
{"hour": 12, "minute": 6}
